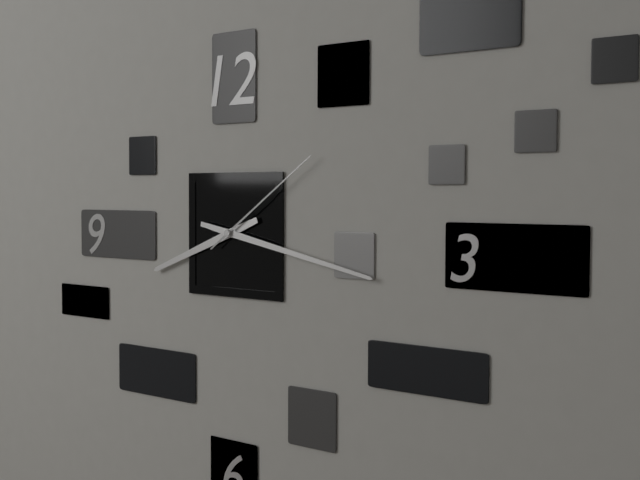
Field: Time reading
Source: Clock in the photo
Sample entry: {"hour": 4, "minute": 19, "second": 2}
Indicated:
{"hour": 8, "minute": 17, "second": 9}
